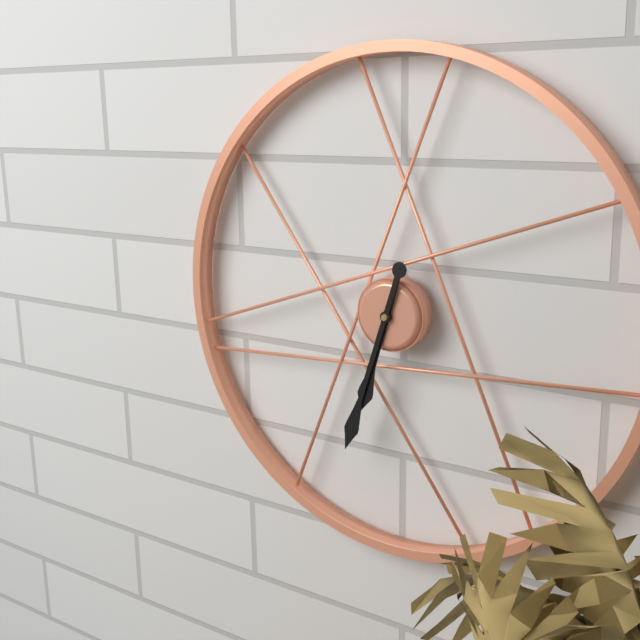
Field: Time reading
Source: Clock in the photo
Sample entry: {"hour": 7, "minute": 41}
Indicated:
{"hour": 6, "minute": 33}
